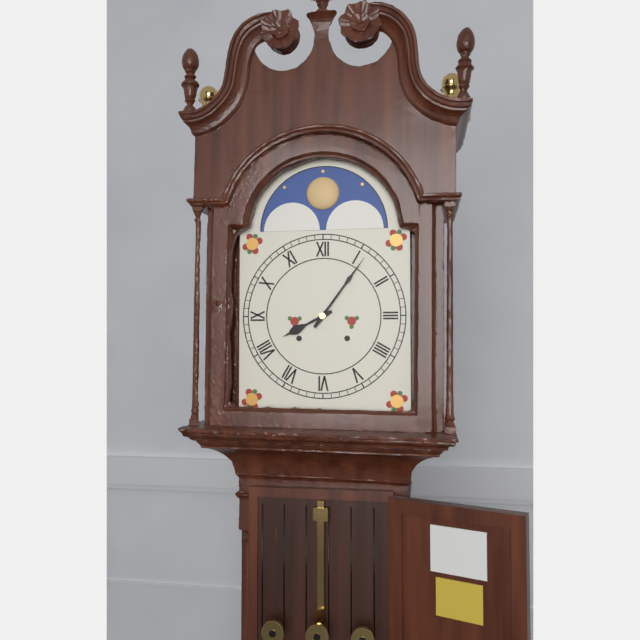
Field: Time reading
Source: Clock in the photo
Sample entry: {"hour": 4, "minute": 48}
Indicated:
{"hour": 8, "minute": 6}
